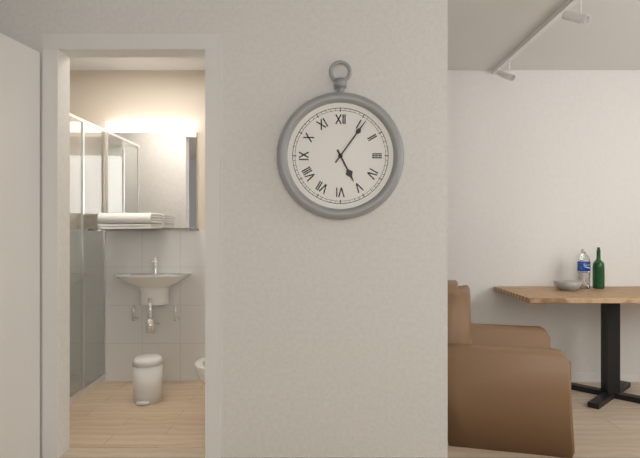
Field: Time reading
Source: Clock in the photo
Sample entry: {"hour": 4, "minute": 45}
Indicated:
{"hour": 5, "minute": 6}
